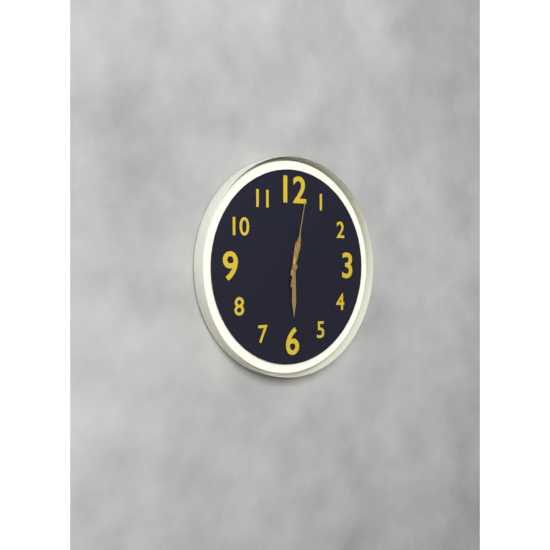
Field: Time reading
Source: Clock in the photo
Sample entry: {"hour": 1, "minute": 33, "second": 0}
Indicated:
{"hour": 12, "minute": 30, "second": 2}
